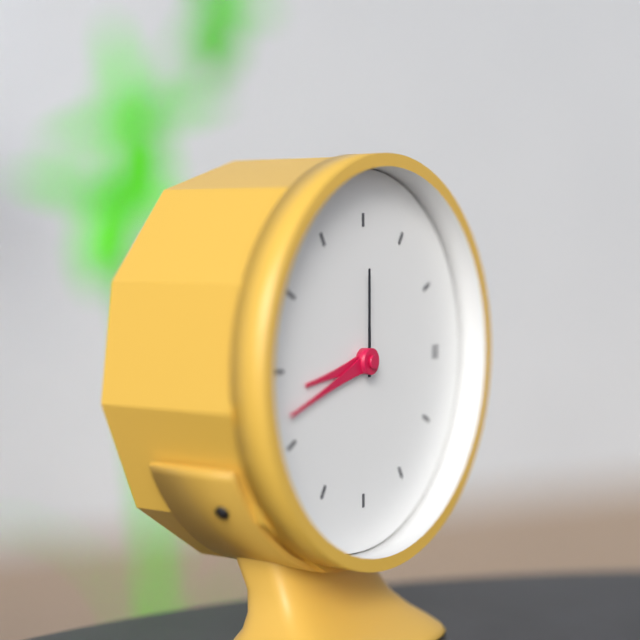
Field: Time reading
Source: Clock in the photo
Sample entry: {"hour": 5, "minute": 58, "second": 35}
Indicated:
{"hour": 8, "minute": 42, "second": 0}
